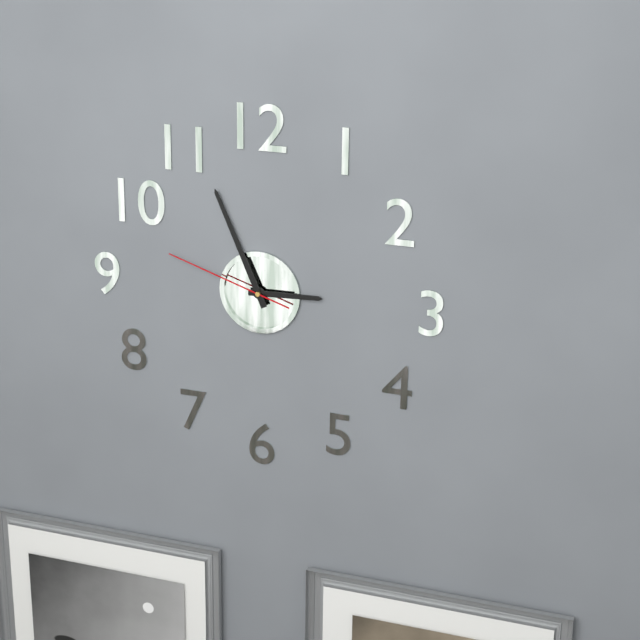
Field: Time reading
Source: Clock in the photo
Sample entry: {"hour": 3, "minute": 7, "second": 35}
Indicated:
{"hour": 2, "minute": 56, "second": 48}
